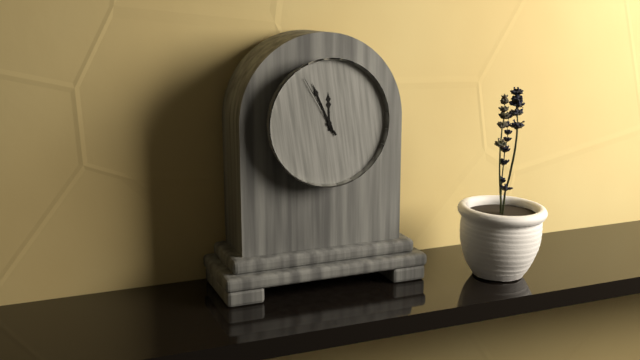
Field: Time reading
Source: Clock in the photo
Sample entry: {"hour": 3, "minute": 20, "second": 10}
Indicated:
{"hour": 11, "minute": 56, "second": 55}
